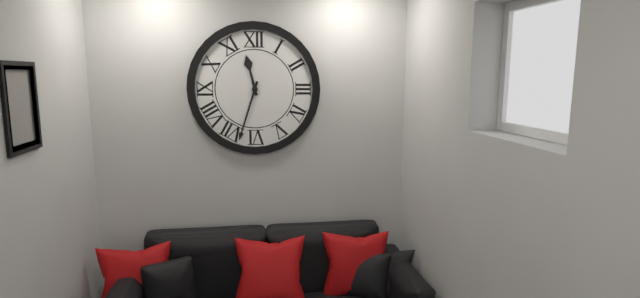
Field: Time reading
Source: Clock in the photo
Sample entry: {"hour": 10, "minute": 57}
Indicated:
{"hour": 11, "minute": 33}
